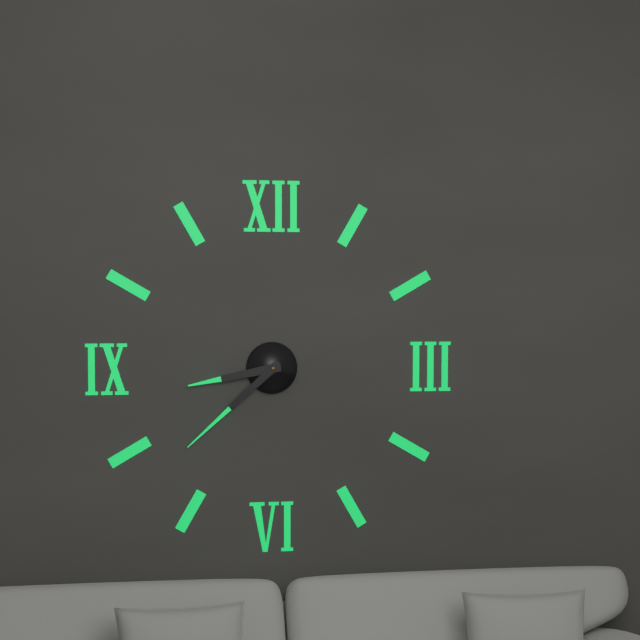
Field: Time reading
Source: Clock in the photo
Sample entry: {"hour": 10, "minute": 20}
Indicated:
{"hour": 8, "minute": 38}
